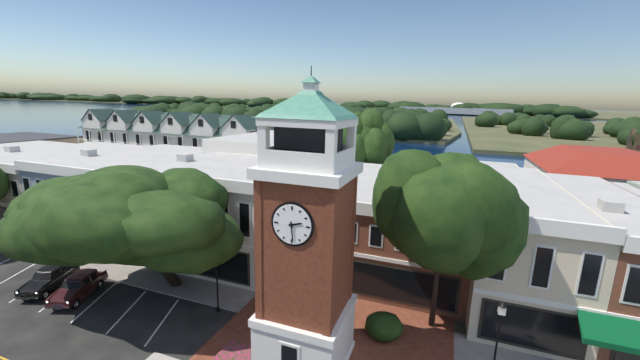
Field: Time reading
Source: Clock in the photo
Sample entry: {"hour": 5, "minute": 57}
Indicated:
{"hour": 2, "minute": 29}
